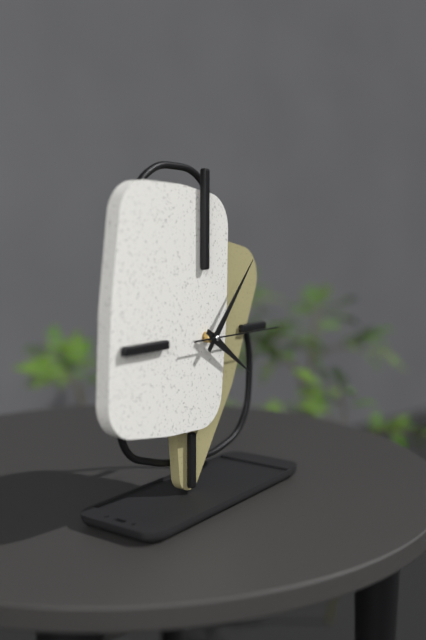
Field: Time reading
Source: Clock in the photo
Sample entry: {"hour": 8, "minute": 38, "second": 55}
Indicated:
{"hour": 4, "minute": 7, "second": 15}
